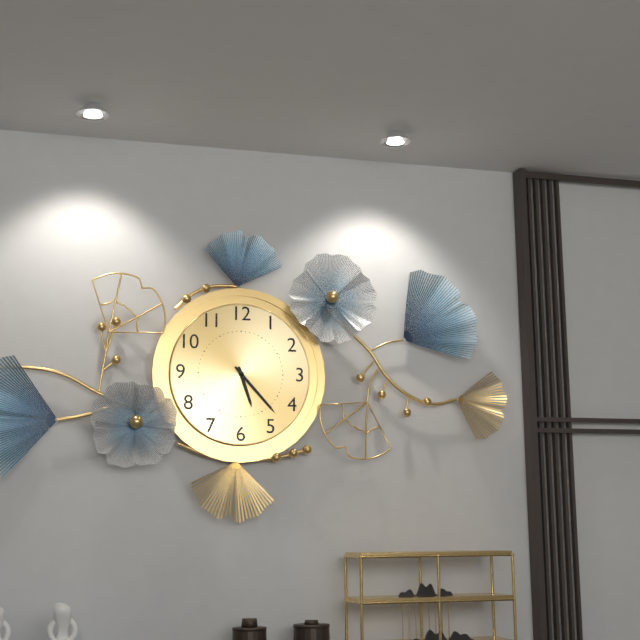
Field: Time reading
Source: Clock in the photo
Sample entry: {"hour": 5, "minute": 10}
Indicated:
{"hour": 5, "minute": 23}
